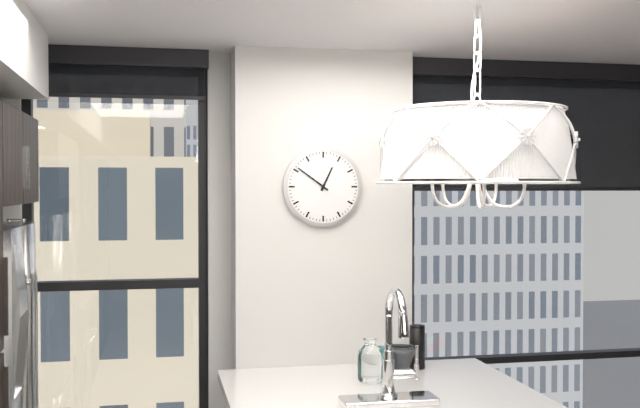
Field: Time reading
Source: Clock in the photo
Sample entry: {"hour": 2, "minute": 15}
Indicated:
{"hour": 12, "minute": 51}
